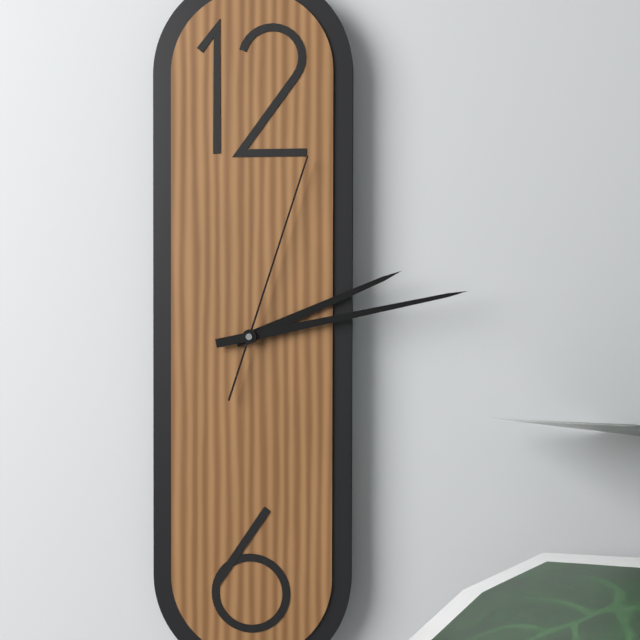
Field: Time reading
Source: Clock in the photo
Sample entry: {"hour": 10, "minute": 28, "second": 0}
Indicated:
{"hour": 2, "minute": 13, "second": 3}
